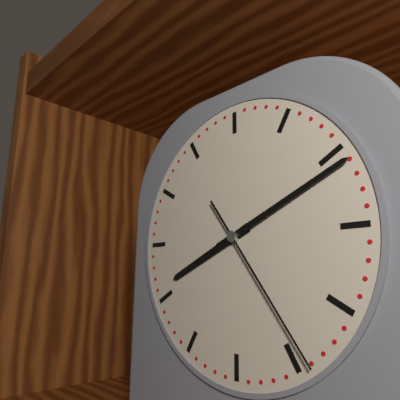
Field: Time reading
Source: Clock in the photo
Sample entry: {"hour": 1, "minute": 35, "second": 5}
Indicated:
{"hour": 8, "minute": 11, "second": 24}
